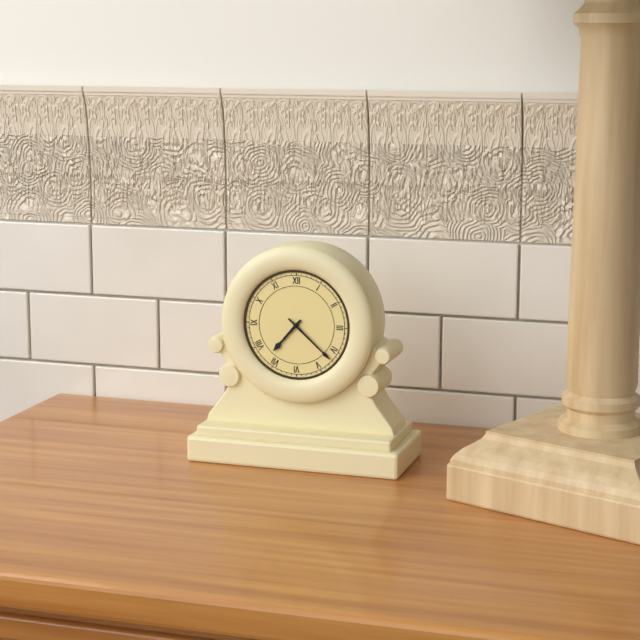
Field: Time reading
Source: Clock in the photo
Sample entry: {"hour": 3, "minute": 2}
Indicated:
{"hour": 7, "minute": 22}
